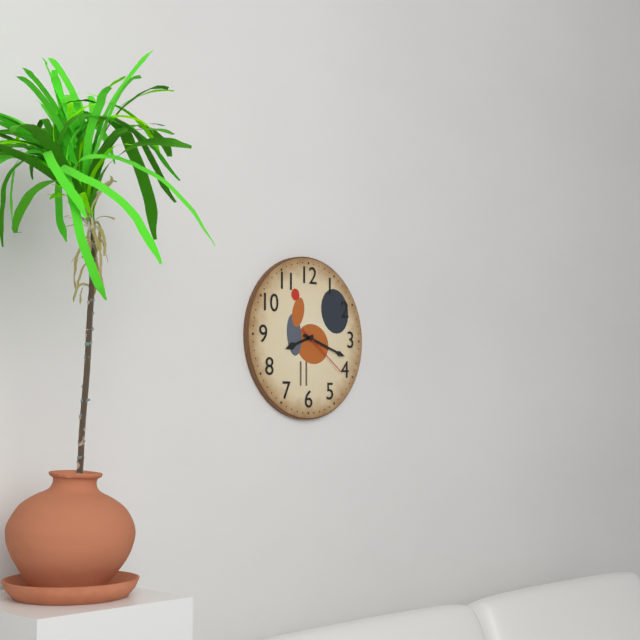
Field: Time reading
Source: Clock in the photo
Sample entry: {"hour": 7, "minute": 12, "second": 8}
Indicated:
{"hour": 8, "minute": 18, "second": 21}
